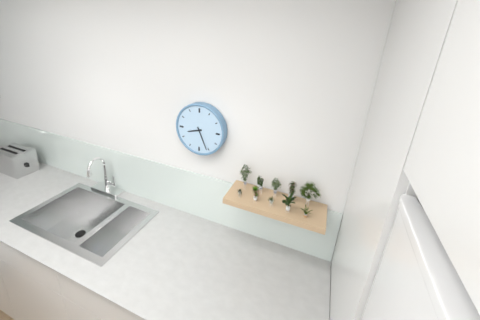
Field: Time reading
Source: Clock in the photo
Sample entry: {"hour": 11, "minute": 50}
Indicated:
{"hour": 8, "minute": 26}
